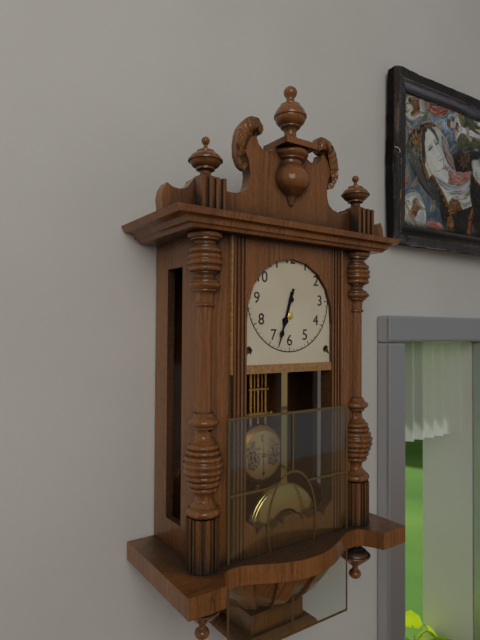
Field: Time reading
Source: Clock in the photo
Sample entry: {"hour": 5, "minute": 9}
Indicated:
{"hour": 6, "minute": 33}
